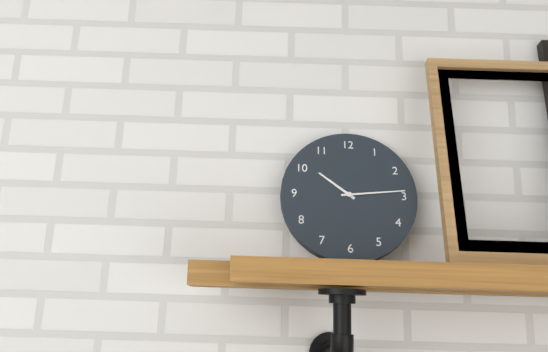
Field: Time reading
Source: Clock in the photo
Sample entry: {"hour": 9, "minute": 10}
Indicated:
{"hour": 10, "minute": 14}
